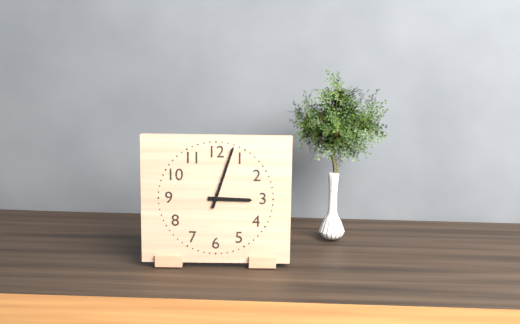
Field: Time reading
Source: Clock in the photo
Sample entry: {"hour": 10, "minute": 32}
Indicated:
{"hour": 3, "minute": 3}
